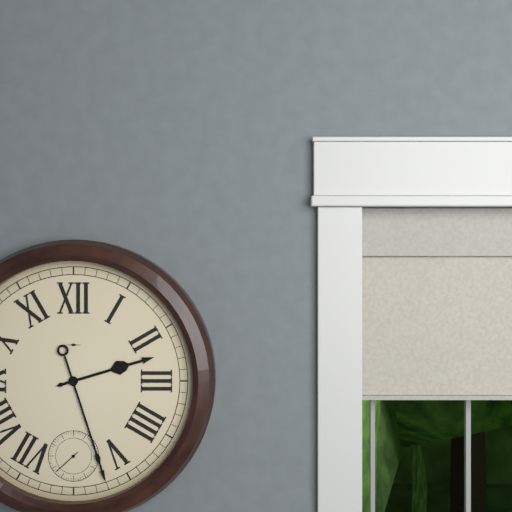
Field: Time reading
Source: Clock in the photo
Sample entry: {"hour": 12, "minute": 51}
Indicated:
{"hour": 2, "minute": 27}
